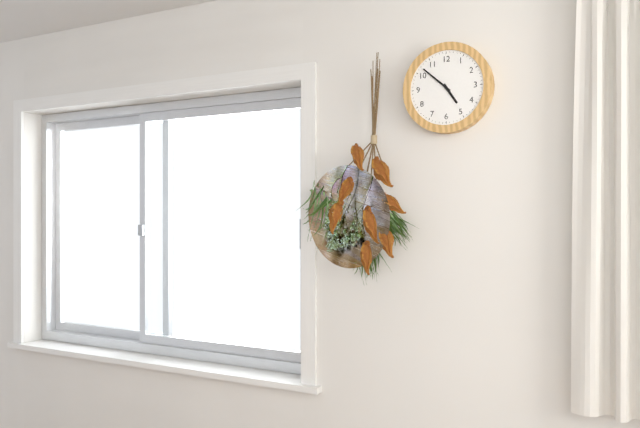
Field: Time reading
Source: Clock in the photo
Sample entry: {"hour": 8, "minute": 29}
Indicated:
{"hour": 4, "minute": 52}
